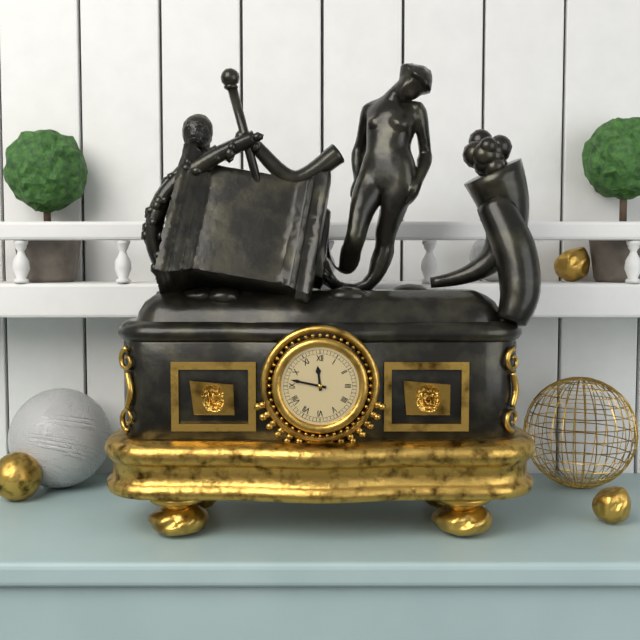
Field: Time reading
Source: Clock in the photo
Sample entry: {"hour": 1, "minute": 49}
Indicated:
{"hour": 11, "minute": 47}
